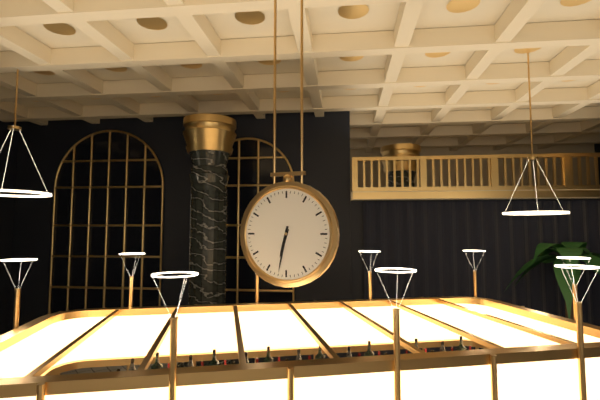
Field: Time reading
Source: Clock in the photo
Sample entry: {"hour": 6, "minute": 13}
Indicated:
{"hour": 6, "minute": 32}
